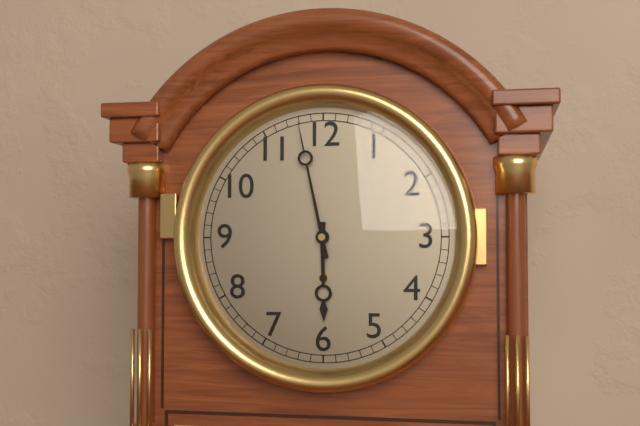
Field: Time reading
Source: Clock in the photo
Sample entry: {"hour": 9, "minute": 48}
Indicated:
{"hour": 5, "minute": 58}
